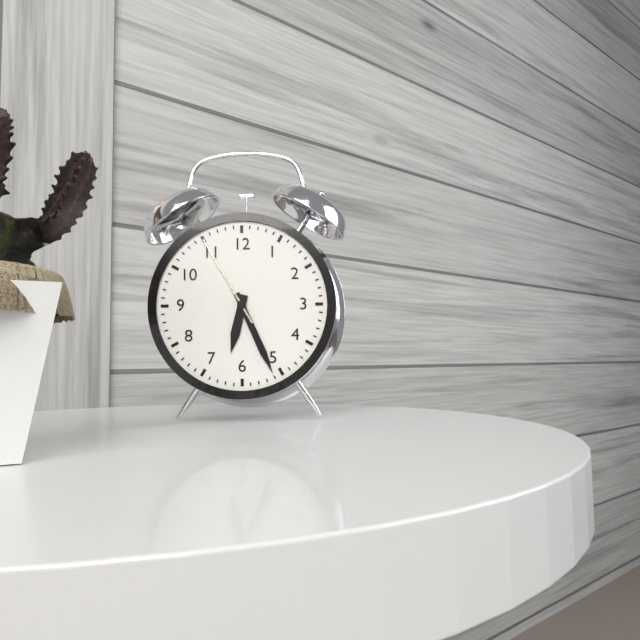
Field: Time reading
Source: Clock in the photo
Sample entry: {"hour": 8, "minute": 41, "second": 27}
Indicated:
{"hour": 6, "minute": 26, "second": 55}
